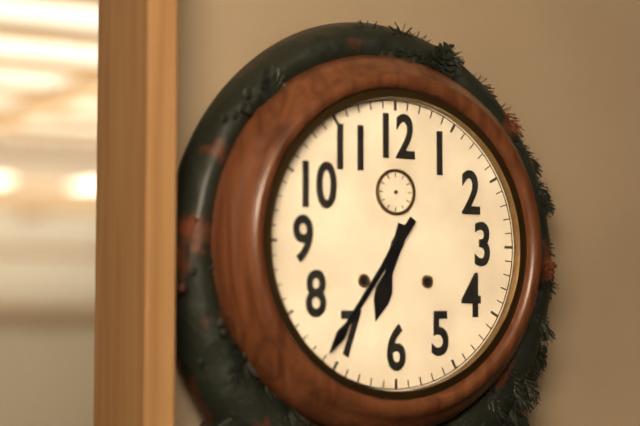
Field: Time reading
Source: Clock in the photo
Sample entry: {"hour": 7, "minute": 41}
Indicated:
{"hour": 6, "minute": 36}
